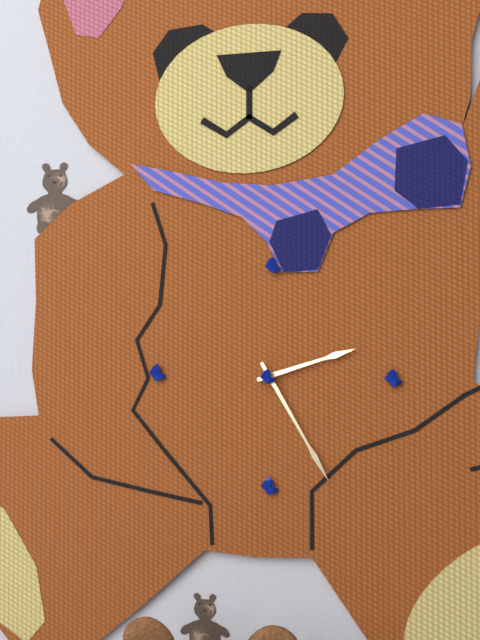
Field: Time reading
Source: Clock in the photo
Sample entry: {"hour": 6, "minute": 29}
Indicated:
{"hour": 2, "minute": 25}
